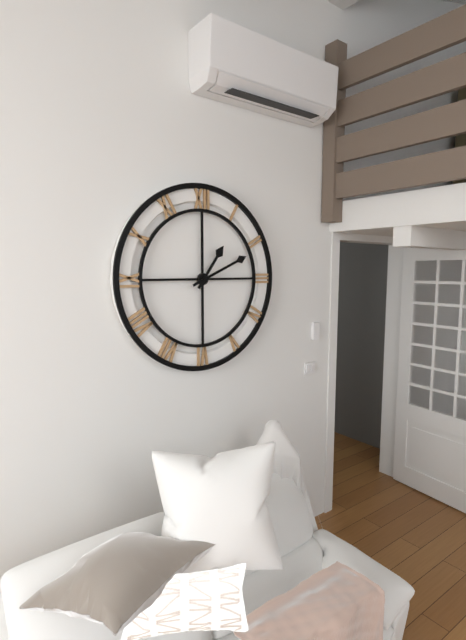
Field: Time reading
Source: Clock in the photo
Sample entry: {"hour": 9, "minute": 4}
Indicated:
{"hour": 1, "minute": 11}
